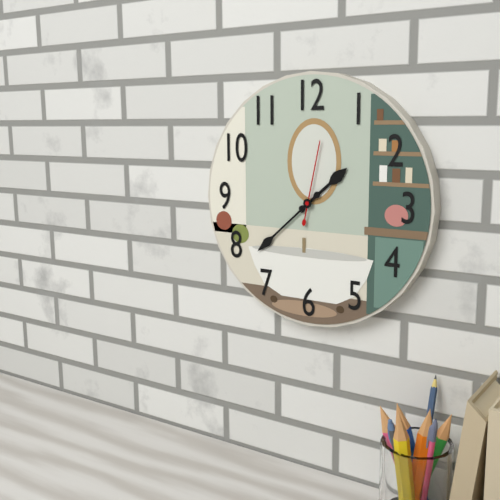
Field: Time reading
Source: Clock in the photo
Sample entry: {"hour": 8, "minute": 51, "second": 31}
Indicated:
{"hour": 1, "minute": 38, "second": 2}
